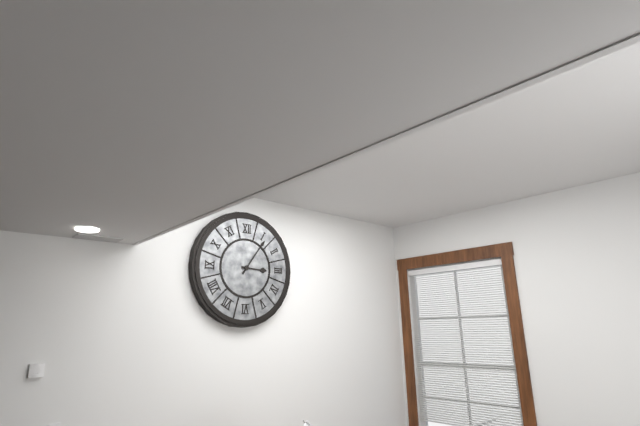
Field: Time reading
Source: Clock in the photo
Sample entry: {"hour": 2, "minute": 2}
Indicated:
{"hour": 3, "minute": 6}
